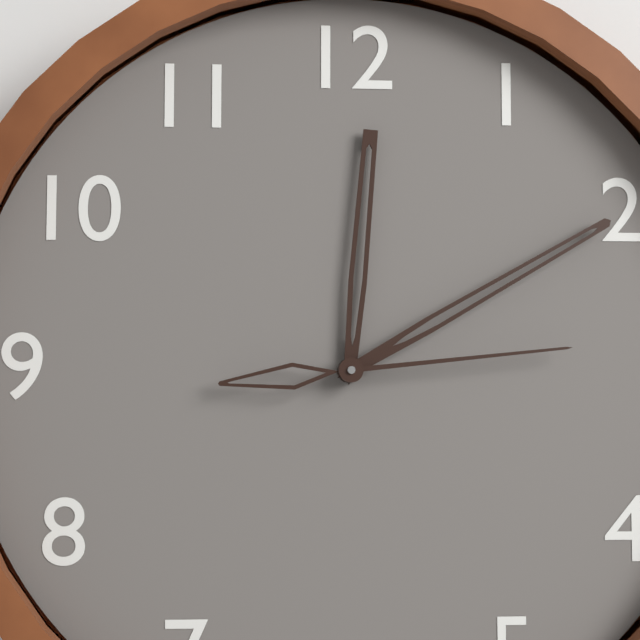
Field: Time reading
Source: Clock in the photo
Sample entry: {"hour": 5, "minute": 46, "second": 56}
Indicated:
{"hour": 12, "minute": 10, "second": 14}
